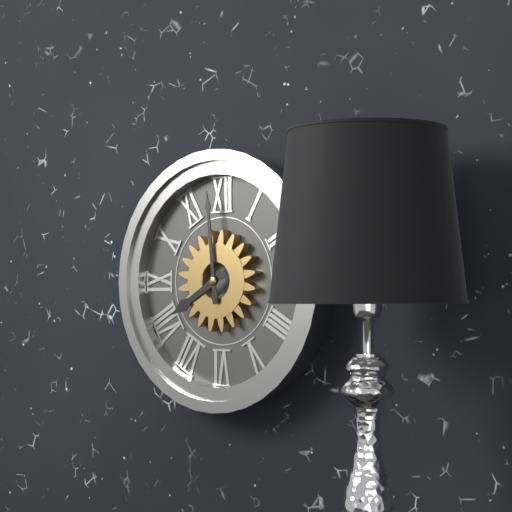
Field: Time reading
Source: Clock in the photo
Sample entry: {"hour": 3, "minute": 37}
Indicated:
{"hour": 7, "minute": 59}
